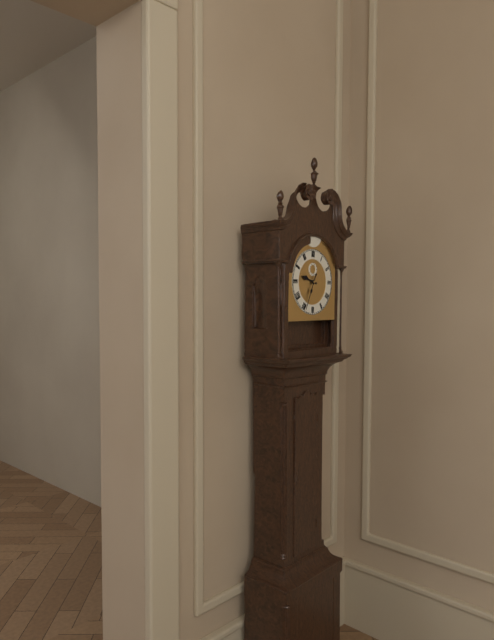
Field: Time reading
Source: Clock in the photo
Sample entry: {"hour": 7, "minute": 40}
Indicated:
{"hour": 9, "minute": 34}
